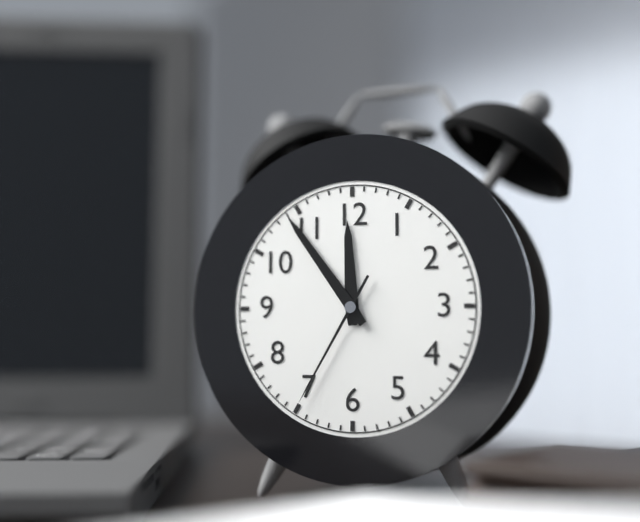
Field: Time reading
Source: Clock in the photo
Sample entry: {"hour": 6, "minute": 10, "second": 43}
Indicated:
{"hour": 11, "minute": 54, "second": 35}
